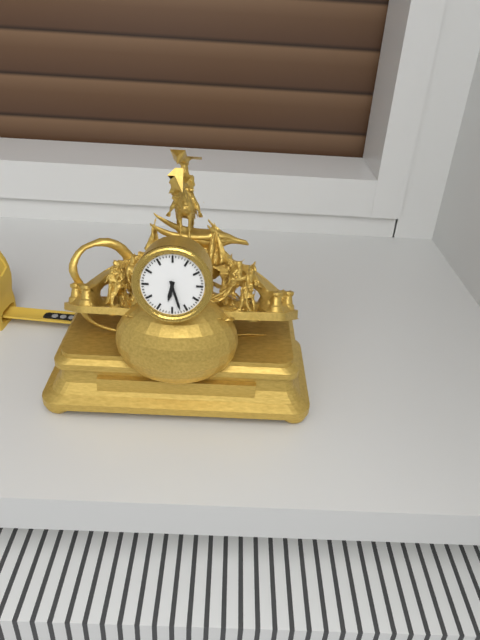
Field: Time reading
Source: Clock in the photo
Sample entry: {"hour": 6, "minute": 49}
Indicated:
{"hour": 6, "minute": 27}
